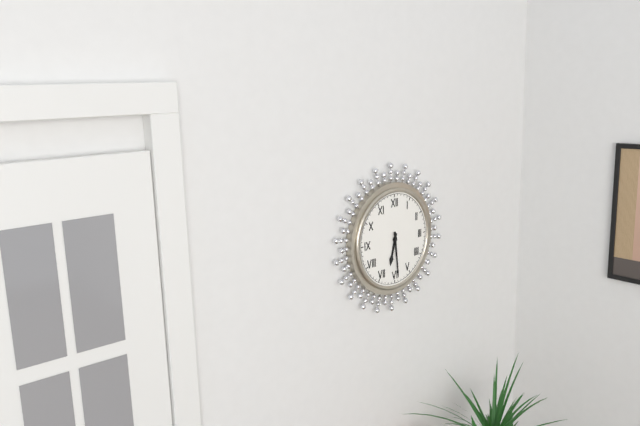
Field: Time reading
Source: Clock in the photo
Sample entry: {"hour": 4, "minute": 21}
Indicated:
{"hour": 6, "minute": 29}
